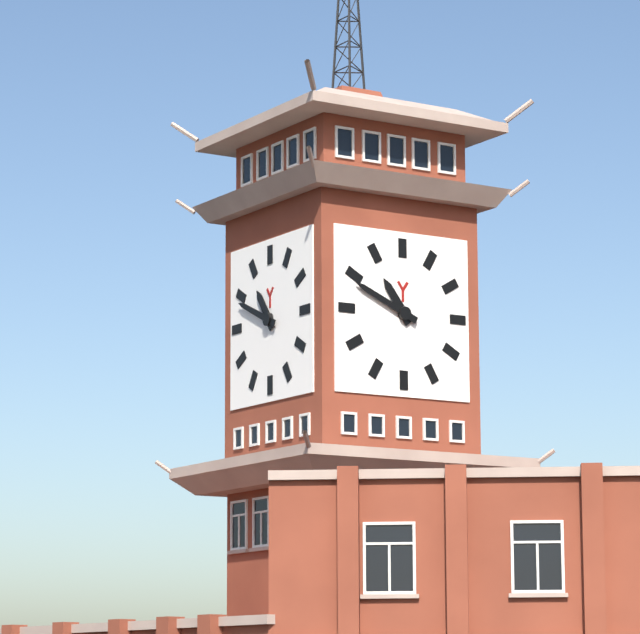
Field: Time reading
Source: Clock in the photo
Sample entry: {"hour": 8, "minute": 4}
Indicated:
{"hour": 10, "minute": 49}
